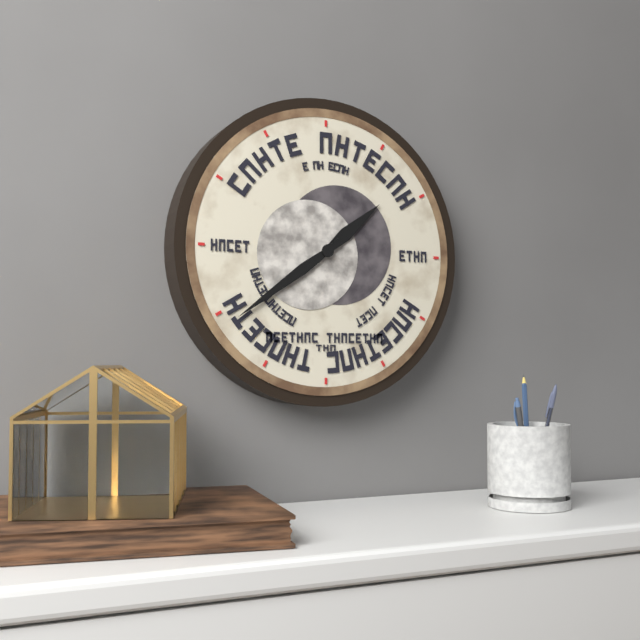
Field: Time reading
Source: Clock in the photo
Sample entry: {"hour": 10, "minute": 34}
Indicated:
{"hour": 1, "minute": 39}
